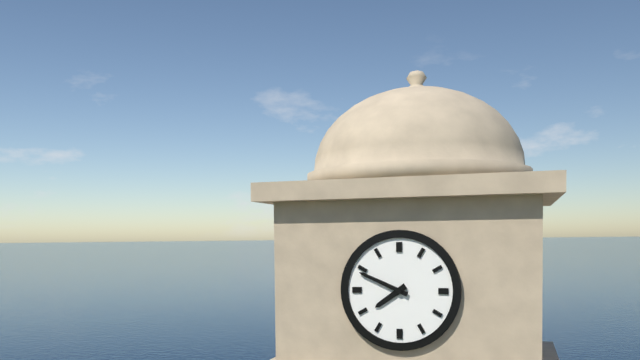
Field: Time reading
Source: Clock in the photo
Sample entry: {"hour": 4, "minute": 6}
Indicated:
{"hour": 7, "minute": 49}
